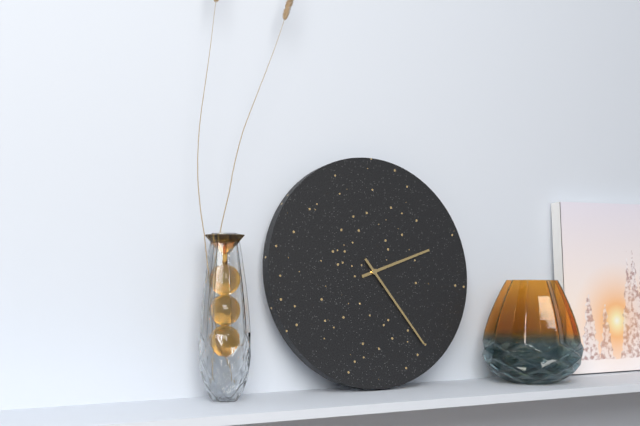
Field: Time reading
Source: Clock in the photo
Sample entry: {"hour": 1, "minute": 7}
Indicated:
{"hour": 2, "minute": 24}
